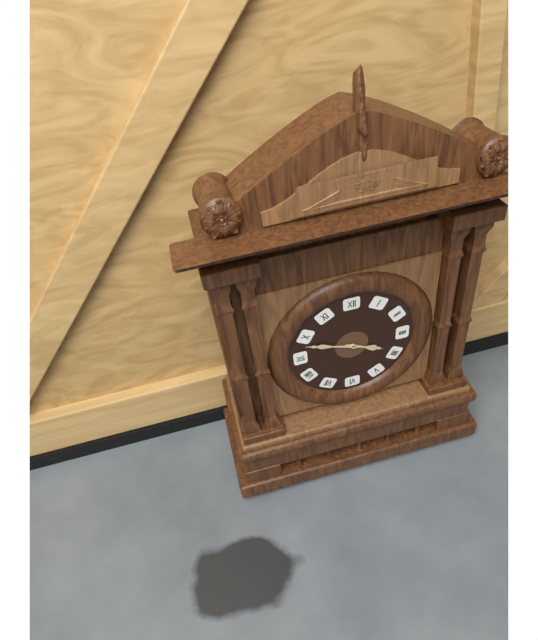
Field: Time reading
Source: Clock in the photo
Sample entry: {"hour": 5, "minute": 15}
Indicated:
{"hour": 3, "minute": 48}
